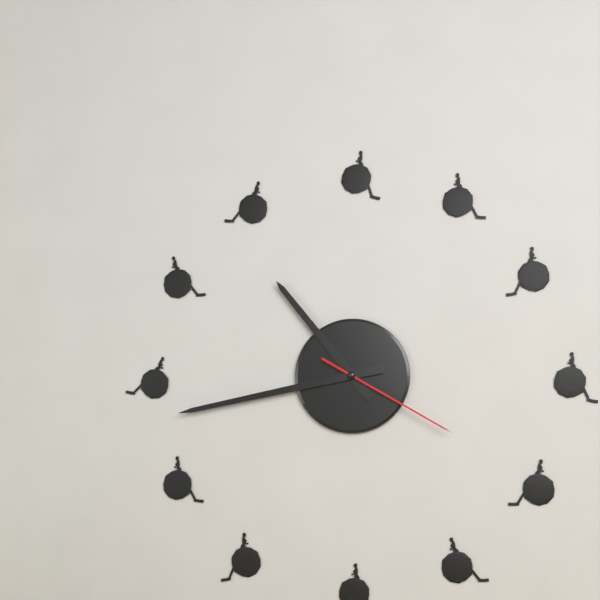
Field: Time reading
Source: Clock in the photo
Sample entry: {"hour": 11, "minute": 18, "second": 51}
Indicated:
{"hour": 10, "minute": 43, "second": 20}
